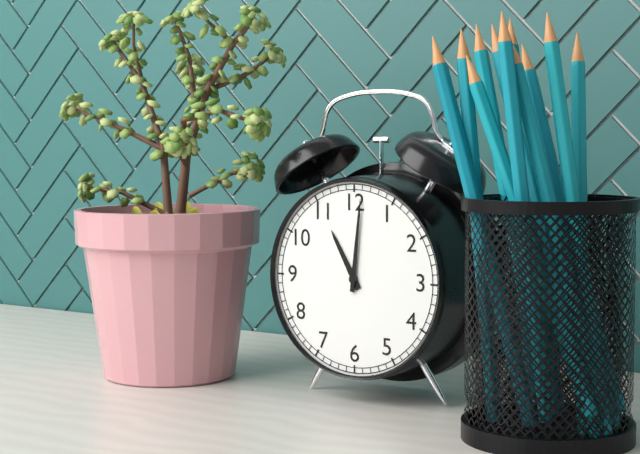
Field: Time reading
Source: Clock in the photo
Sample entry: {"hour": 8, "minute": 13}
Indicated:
{"hour": 11, "minute": 1}
